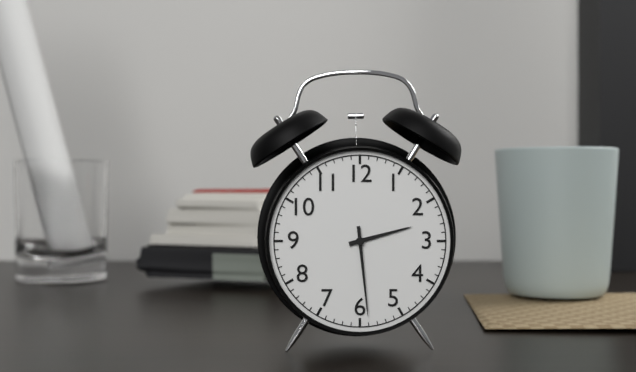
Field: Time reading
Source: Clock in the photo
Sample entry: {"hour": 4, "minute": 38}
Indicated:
{"hour": 2, "minute": 29}
